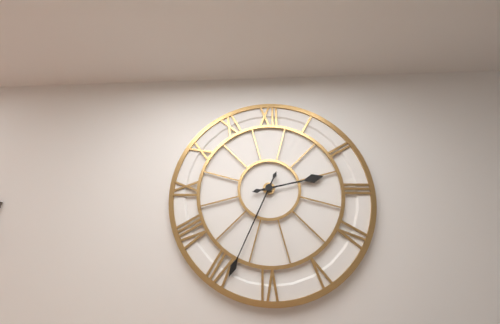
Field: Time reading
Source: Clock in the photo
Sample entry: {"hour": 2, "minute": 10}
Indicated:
{"hour": 2, "minute": 34}
